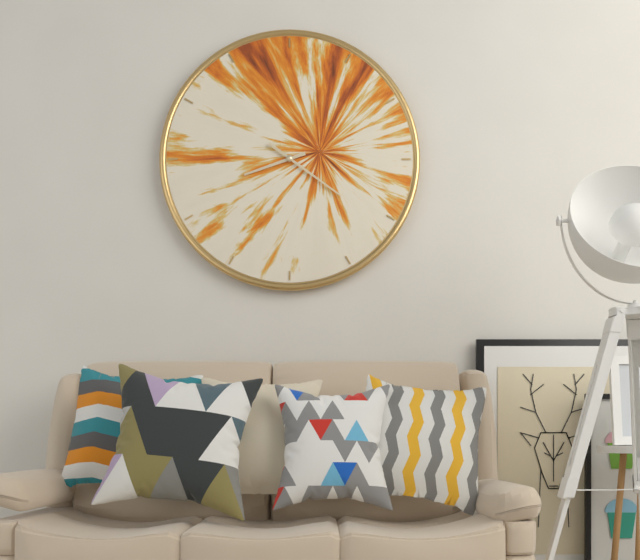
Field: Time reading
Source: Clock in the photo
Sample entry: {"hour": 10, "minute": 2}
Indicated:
{"hour": 8, "minute": 21}
